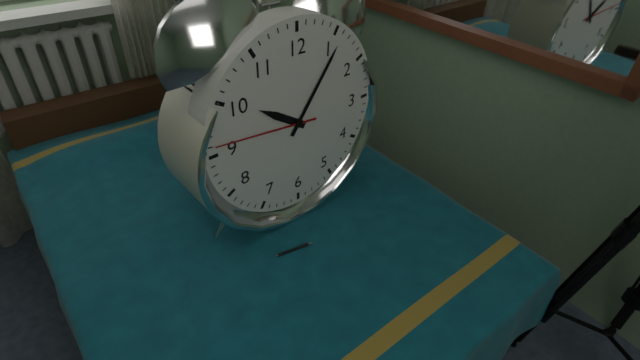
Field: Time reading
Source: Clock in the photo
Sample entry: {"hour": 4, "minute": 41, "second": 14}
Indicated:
{"hour": 10, "minute": 6, "second": 46}
